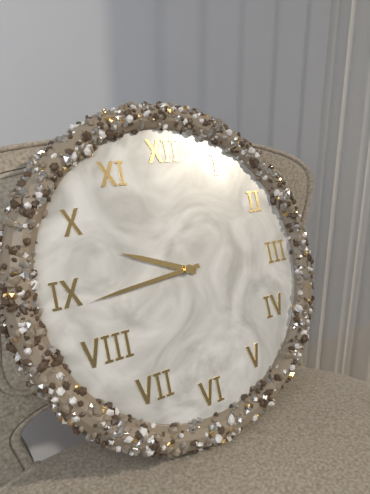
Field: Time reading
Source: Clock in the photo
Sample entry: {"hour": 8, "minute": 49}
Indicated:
{"hour": 9, "minute": 44}
